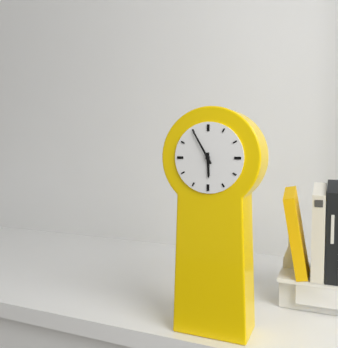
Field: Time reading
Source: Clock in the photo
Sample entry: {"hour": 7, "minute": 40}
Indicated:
{"hour": 5, "minute": 55}
